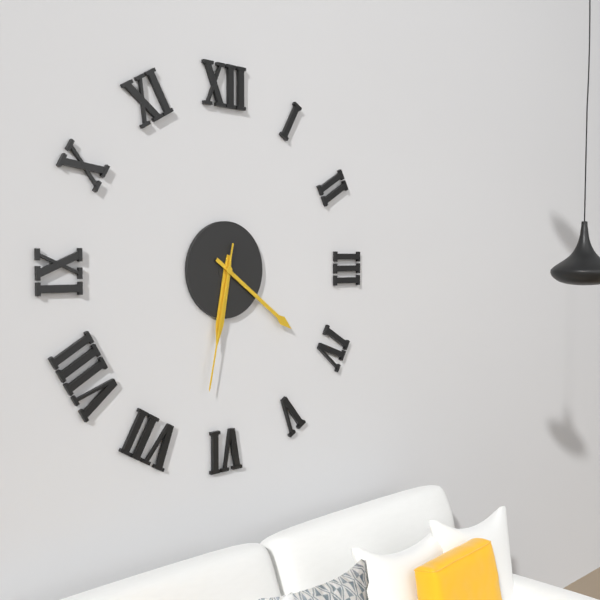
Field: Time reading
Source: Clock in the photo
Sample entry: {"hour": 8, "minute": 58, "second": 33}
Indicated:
{"hour": 6, "minute": 21, "second": 32}
